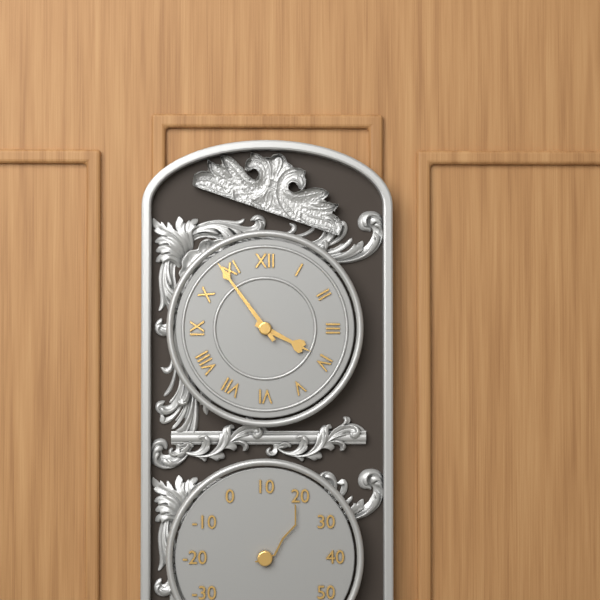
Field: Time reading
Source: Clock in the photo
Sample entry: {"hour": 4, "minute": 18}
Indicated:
{"hour": 3, "minute": 54}
